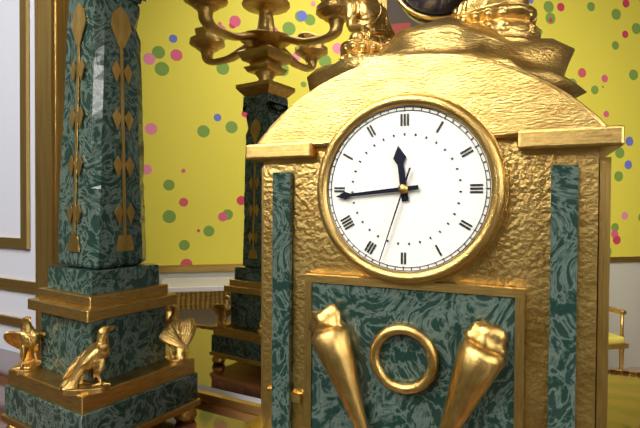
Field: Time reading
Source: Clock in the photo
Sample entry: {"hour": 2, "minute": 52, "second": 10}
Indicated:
{"hour": 11, "minute": 44, "second": 33}
